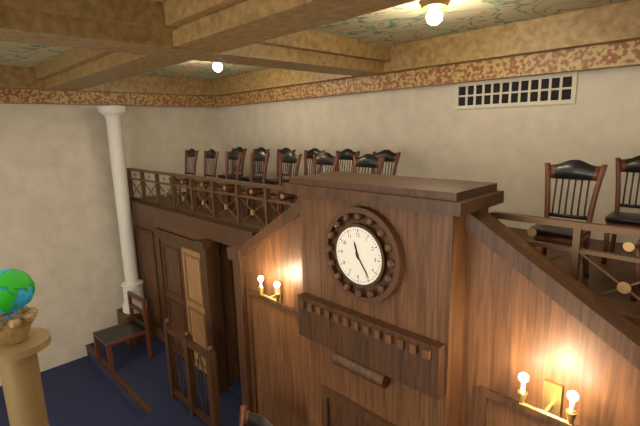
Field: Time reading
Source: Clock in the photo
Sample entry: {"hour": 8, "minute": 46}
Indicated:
{"hour": 11, "minute": 24}
